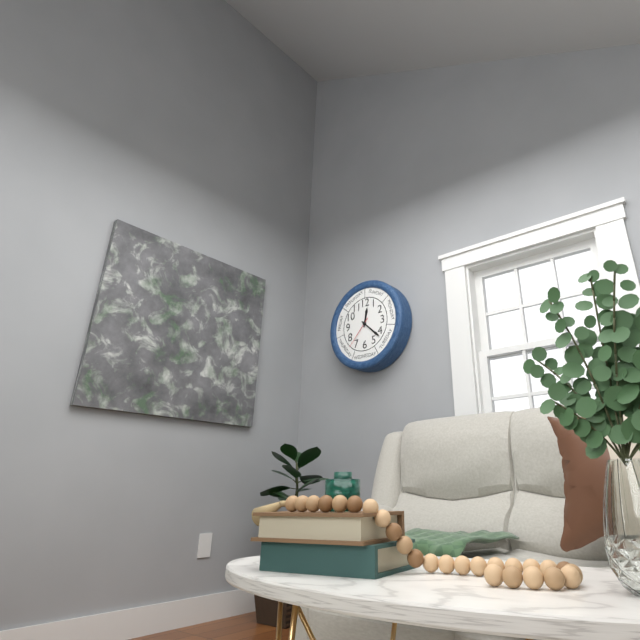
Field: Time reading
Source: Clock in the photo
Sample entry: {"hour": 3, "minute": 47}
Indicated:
{"hour": 12, "minute": 22}
